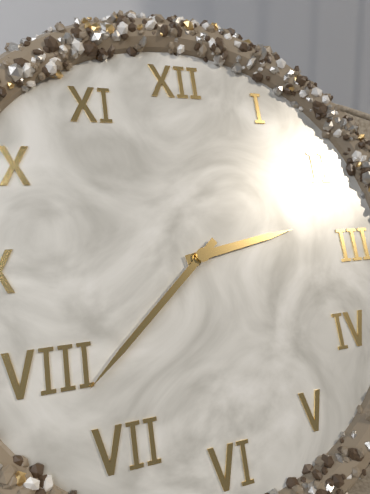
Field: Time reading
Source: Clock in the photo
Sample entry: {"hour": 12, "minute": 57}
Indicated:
{"hour": 2, "minute": 38}
